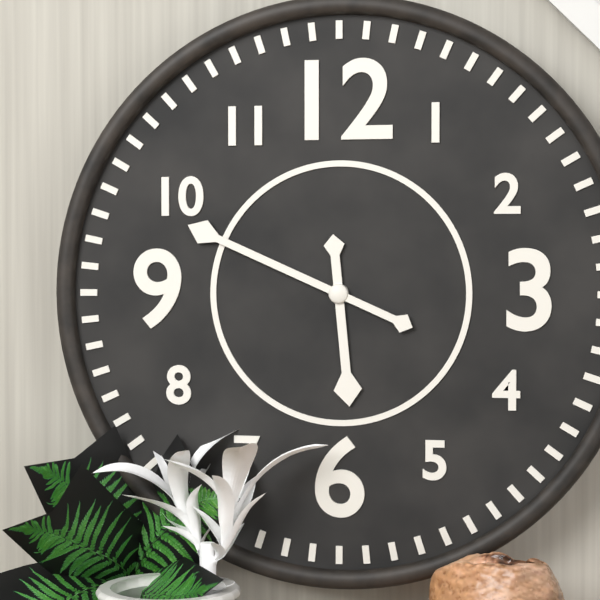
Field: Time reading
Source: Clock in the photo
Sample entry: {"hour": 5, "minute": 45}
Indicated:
{"hour": 5, "minute": 49}
